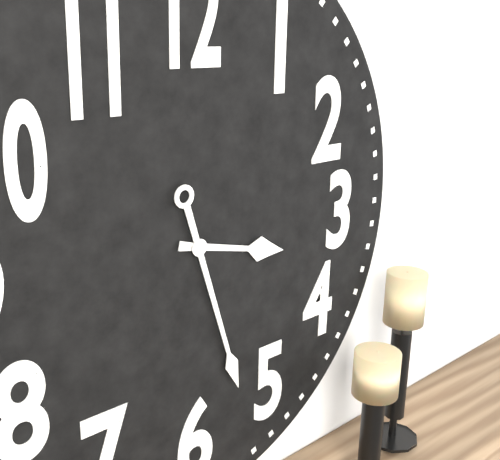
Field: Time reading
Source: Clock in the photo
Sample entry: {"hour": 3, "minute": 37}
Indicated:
{"hour": 3, "minute": 27}
